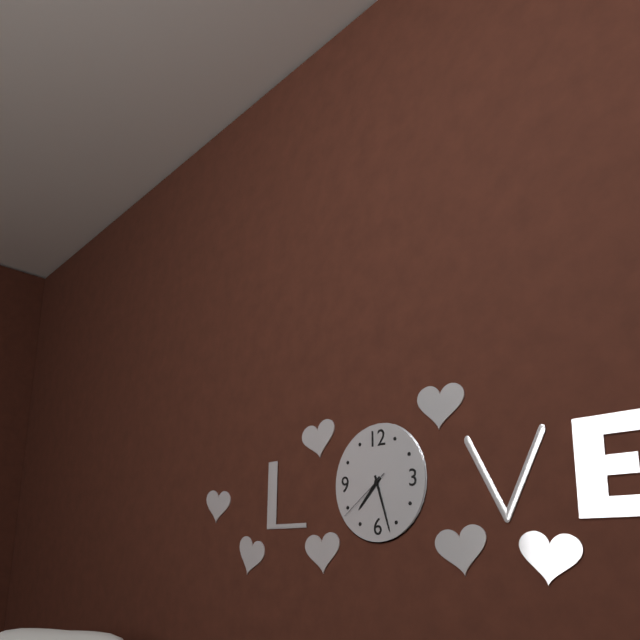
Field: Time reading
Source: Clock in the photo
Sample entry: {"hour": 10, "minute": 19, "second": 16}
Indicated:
{"hour": 7, "minute": 27, "second": 39}
